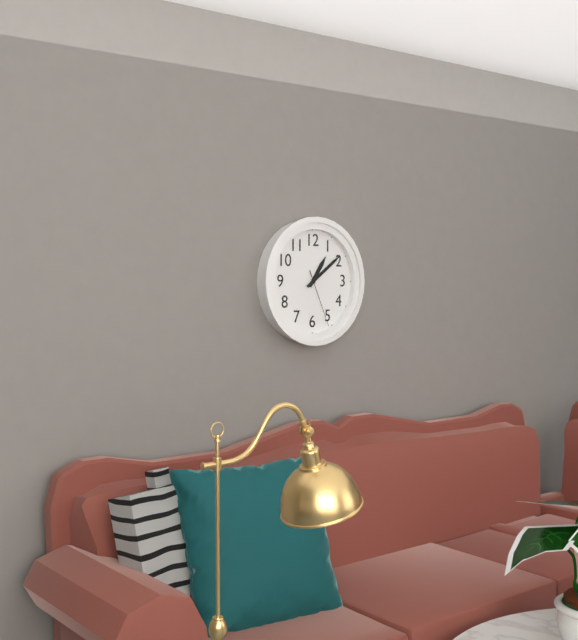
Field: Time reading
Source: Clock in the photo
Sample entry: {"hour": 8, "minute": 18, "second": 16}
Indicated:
{"hour": 1, "minute": 9, "second": 26}
